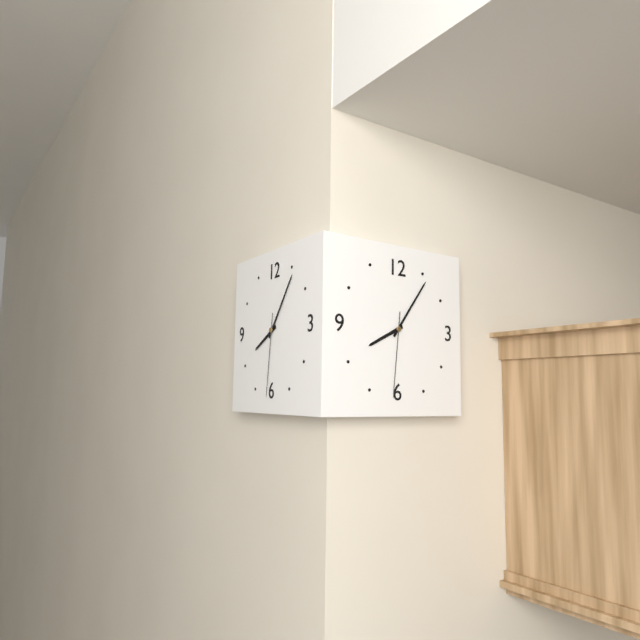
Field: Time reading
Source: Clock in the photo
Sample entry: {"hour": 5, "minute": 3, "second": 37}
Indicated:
{"hour": 8, "minute": 6, "second": 31}
